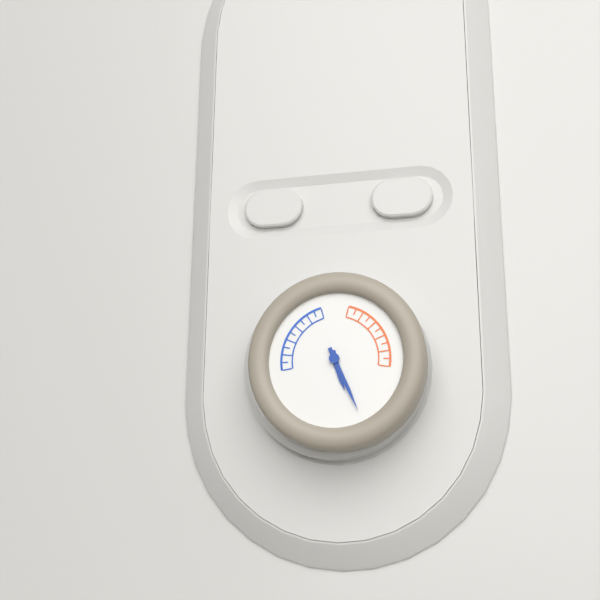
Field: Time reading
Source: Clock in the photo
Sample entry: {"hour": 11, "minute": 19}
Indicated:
{"hour": 5, "minute": 26}
